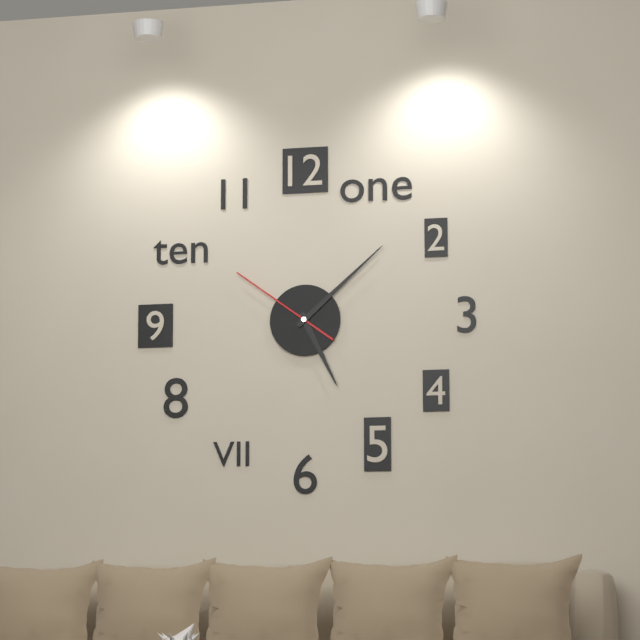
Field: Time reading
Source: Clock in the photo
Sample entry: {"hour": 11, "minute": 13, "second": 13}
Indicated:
{"hour": 5, "minute": 8, "second": 51}
